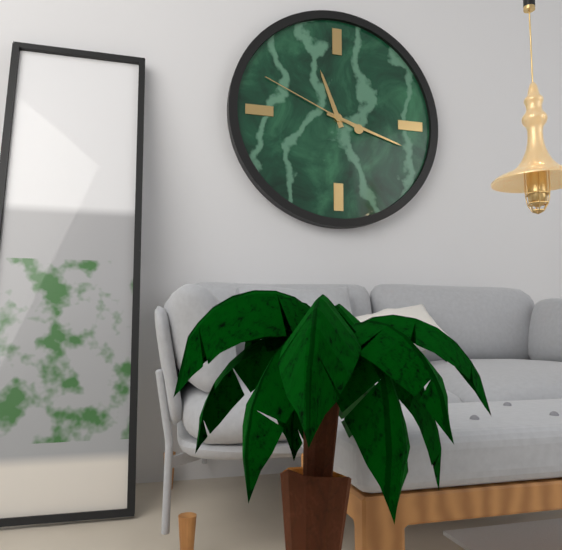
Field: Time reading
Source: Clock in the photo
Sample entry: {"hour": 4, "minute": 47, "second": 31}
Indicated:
{"hour": 11, "minute": 18, "second": 49}
